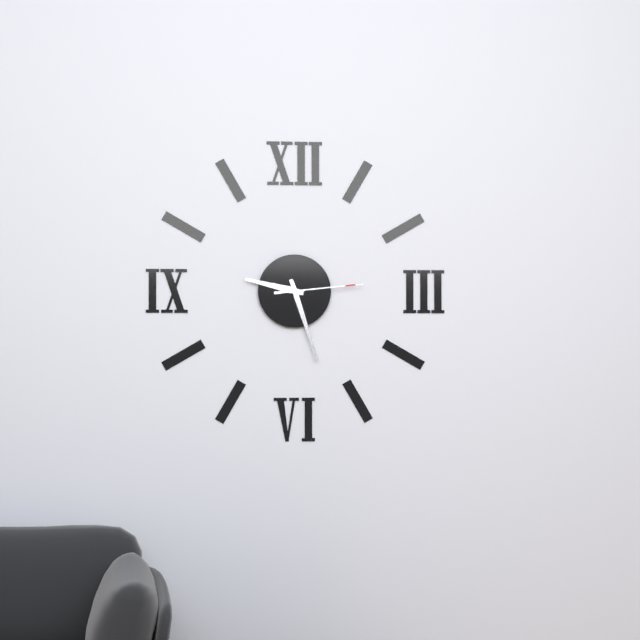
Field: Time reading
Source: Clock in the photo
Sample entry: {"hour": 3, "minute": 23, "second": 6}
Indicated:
{"hour": 9, "minute": 27, "second": 14}
